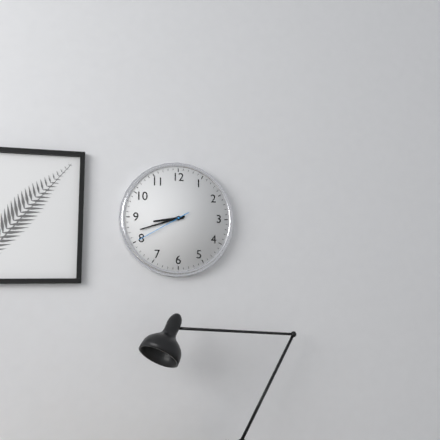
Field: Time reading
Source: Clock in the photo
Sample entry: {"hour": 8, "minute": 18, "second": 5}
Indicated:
{"hour": 8, "minute": 42, "second": 40}
